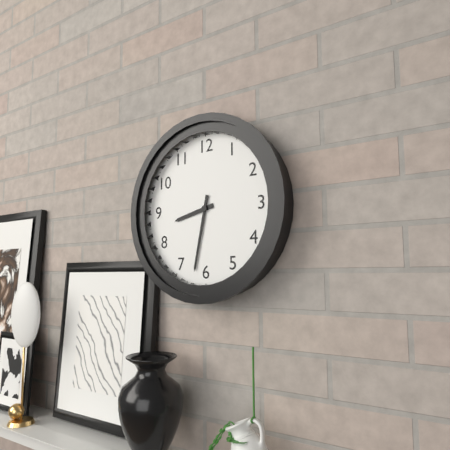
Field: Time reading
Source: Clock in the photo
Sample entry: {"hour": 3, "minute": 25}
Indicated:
{"hour": 8, "minute": 32}
